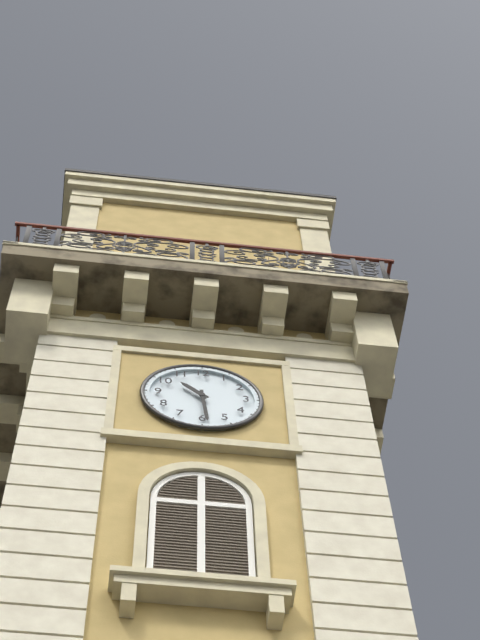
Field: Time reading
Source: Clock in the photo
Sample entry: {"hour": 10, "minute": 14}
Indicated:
{"hour": 10, "minute": 29}
